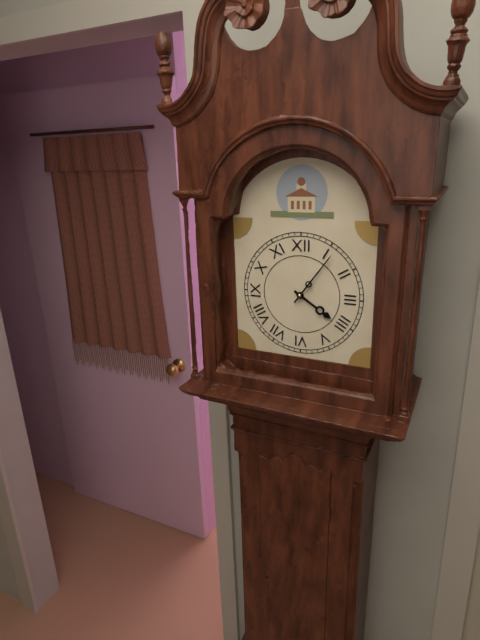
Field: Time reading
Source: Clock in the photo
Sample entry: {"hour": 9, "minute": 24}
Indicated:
{"hour": 4, "minute": 6}
